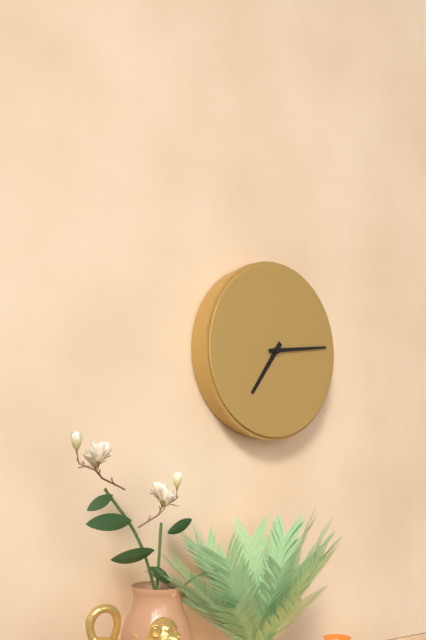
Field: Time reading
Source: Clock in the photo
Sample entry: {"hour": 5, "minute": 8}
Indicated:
{"hour": 7, "minute": 14}
